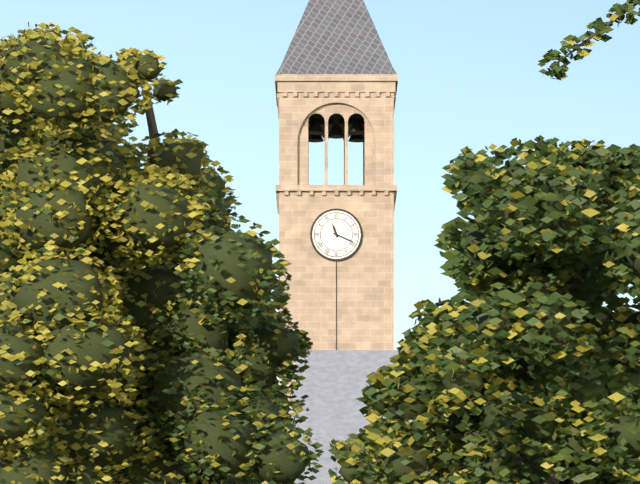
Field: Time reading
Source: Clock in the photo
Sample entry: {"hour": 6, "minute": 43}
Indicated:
{"hour": 11, "minute": 19}
